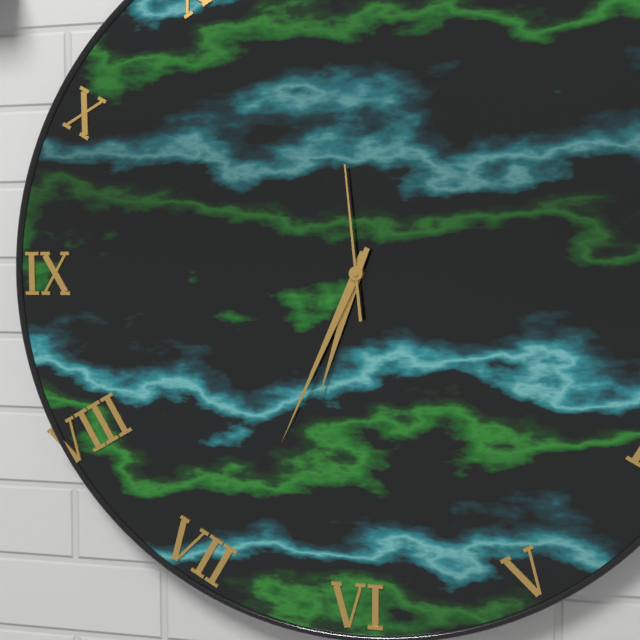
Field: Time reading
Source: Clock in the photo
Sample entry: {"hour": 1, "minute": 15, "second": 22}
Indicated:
{"hour": 6, "minute": 34, "second": 59}
